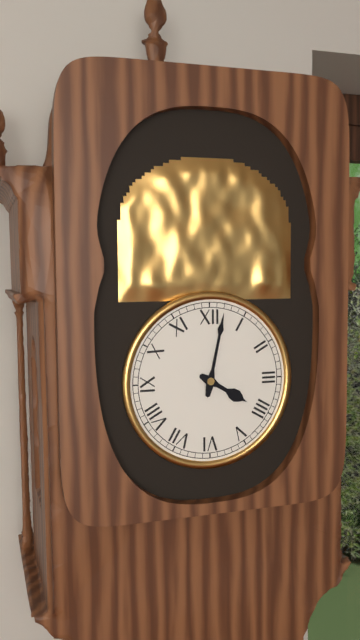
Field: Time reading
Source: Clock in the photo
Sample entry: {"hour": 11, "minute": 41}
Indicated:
{"hour": 4, "minute": 2}
